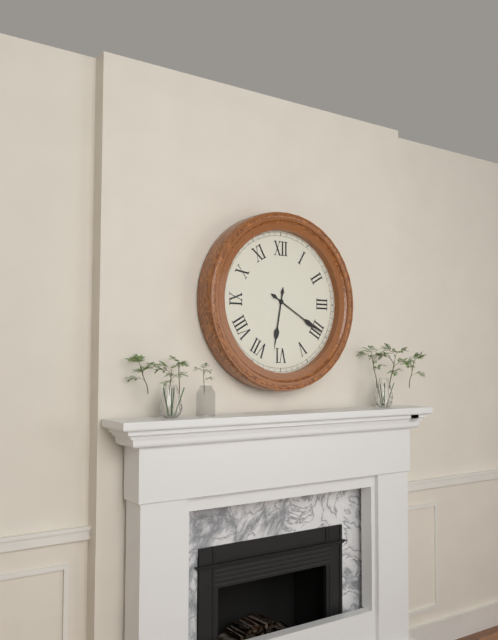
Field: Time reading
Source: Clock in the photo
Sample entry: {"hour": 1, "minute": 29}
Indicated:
{"hour": 6, "minute": 20}
